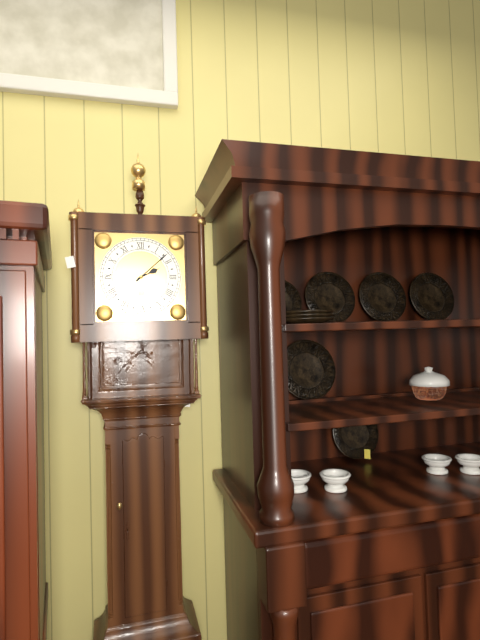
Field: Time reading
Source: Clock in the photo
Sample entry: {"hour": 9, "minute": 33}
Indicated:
{"hour": 2, "minute": 8}
